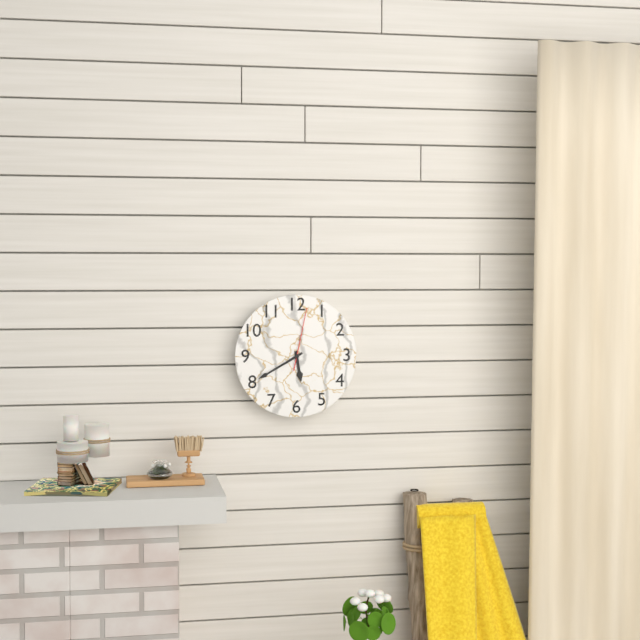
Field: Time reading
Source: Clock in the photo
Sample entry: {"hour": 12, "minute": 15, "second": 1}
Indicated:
{"hour": 5, "minute": 40, "second": 2}
